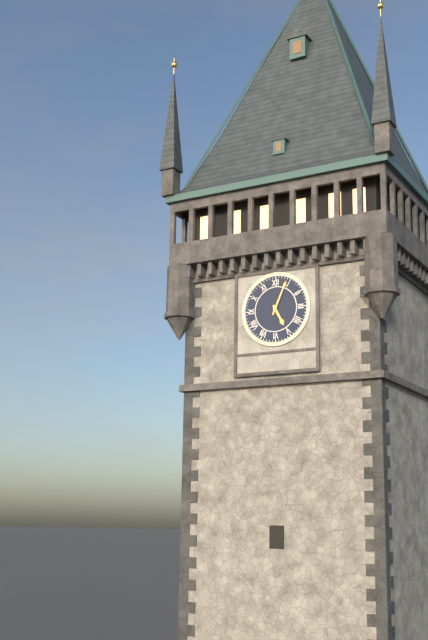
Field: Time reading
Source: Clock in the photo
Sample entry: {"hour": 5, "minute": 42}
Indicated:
{"hour": 5, "minute": 4}
